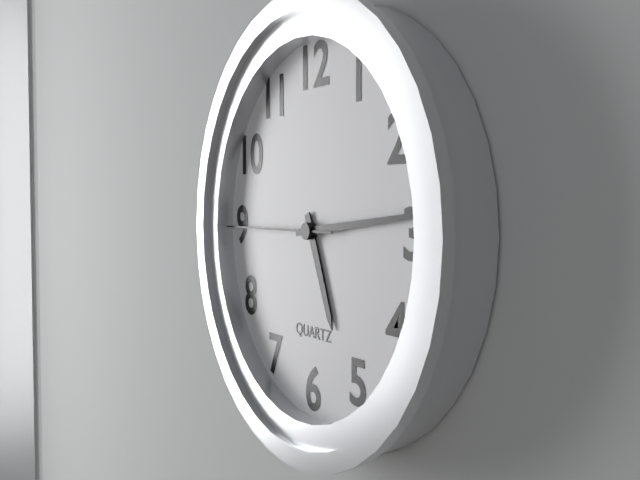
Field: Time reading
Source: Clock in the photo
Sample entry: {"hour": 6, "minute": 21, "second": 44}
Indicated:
{"hour": 5, "minute": 14, "second": 45}
